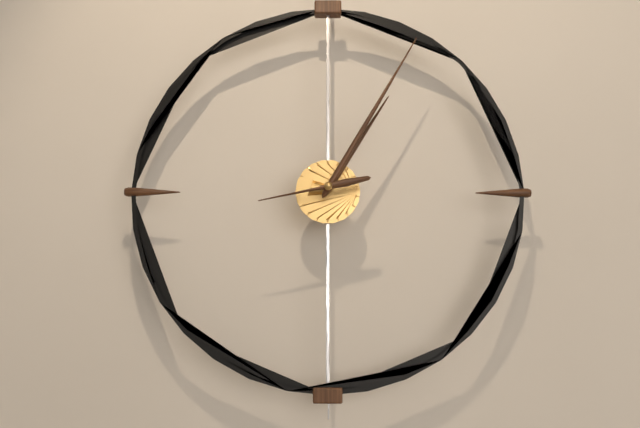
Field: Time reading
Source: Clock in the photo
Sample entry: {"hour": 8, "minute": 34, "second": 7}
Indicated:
{"hour": 1, "minute": 5, "second": 43}
